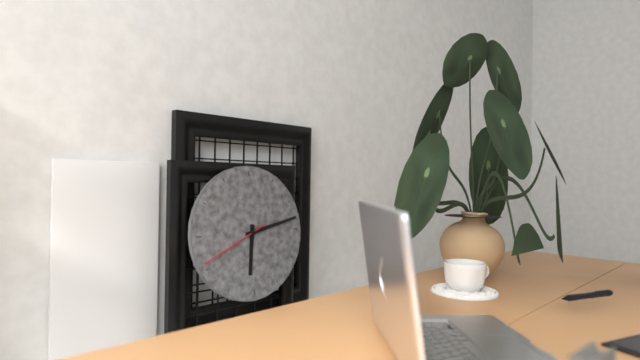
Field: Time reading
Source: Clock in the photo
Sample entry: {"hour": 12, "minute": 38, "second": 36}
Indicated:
{"hour": 6, "minute": 13, "second": 41}
